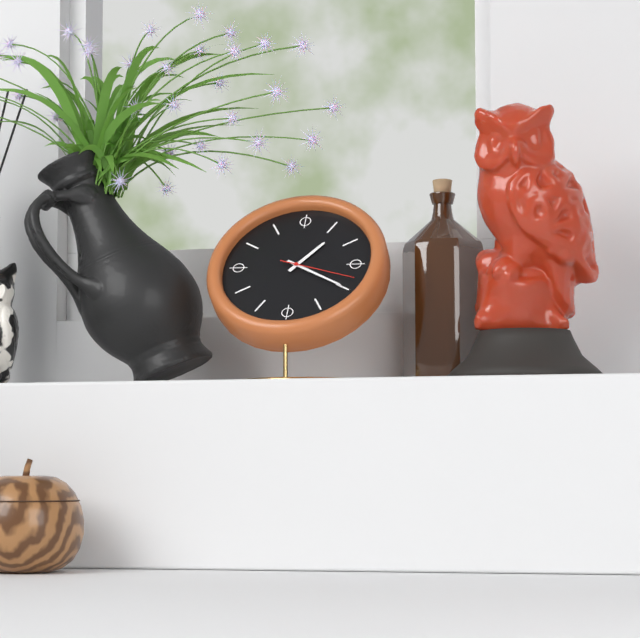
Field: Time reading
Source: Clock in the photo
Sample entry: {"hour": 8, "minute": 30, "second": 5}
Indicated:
{"hour": 1, "minute": 20, "second": 18}
